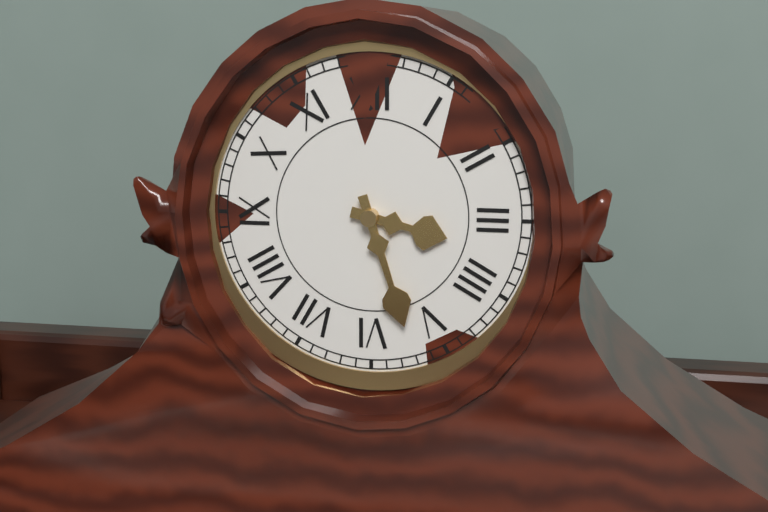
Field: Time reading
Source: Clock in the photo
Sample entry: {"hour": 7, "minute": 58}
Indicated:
{"hour": 3, "minute": 27}
